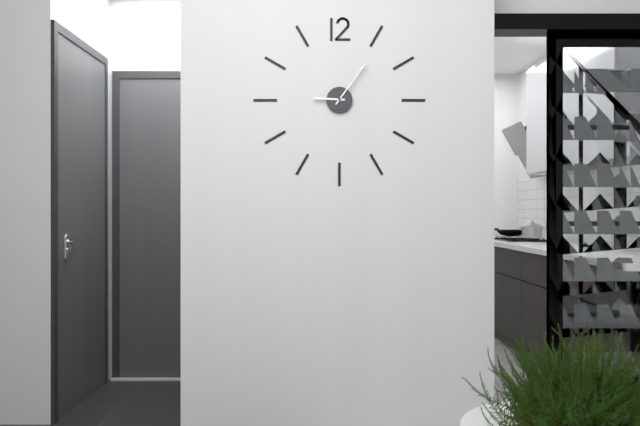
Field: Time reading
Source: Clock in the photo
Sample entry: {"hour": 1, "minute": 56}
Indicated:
{"hour": 9, "minute": 6}
